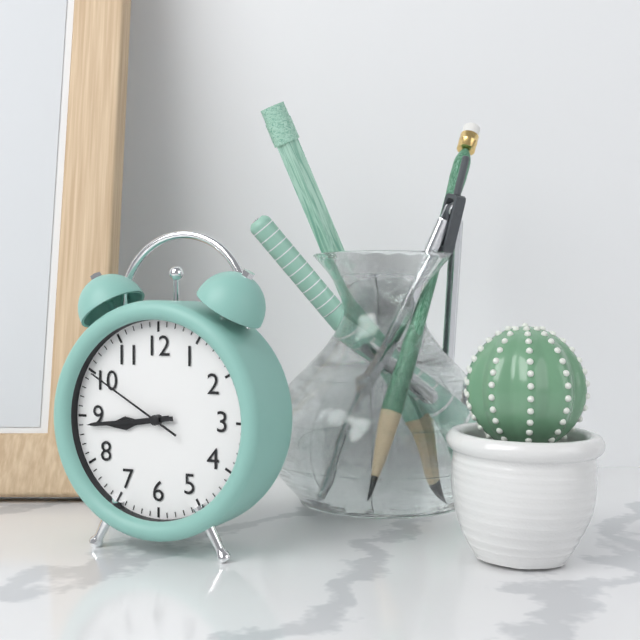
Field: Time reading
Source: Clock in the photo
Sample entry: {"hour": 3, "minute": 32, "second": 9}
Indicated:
{"hour": 8, "minute": 44, "second": 50}
